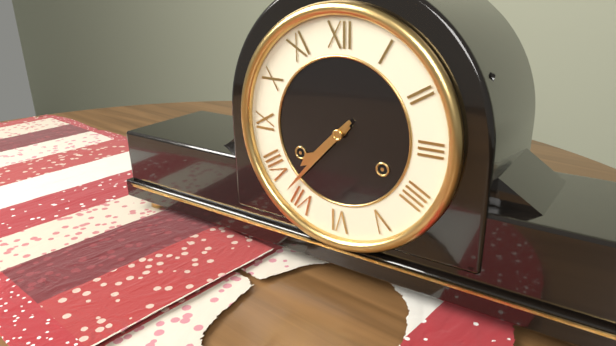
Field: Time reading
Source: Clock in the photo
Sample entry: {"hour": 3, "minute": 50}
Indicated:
{"hour": 7, "minute": 37}
